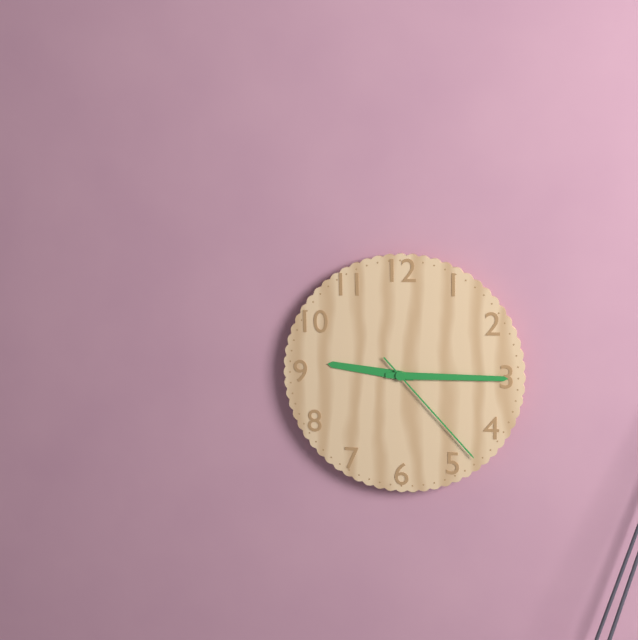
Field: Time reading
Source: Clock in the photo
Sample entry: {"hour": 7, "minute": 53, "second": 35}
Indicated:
{"hour": 9, "minute": 15, "second": 23}
